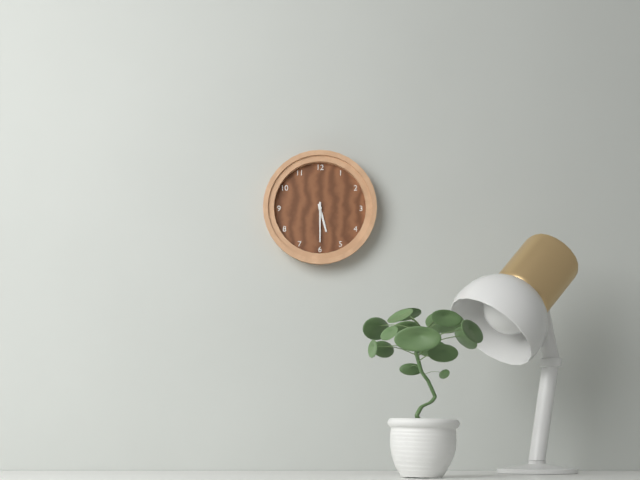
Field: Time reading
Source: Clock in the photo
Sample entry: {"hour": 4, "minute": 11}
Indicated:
{"hour": 5, "minute": 30}
